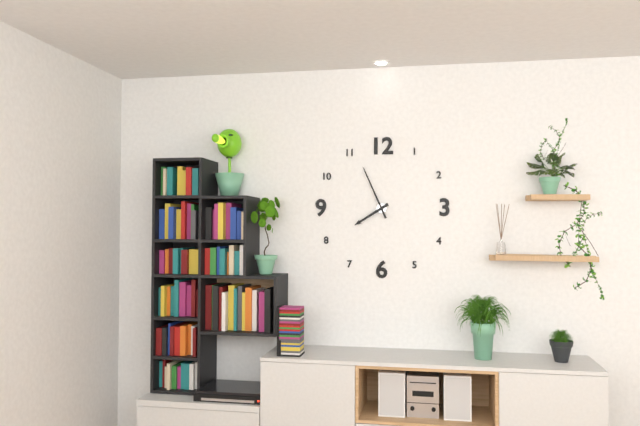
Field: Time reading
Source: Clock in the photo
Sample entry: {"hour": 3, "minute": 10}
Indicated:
{"hour": 7, "minute": 56}
